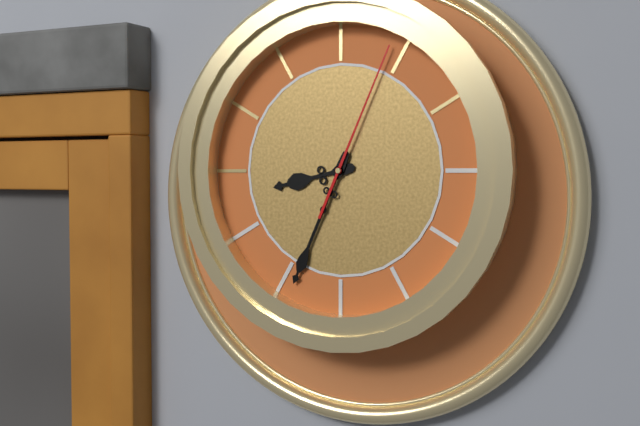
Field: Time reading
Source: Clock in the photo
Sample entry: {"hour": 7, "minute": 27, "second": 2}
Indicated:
{"hour": 8, "minute": 34, "second": 4}
